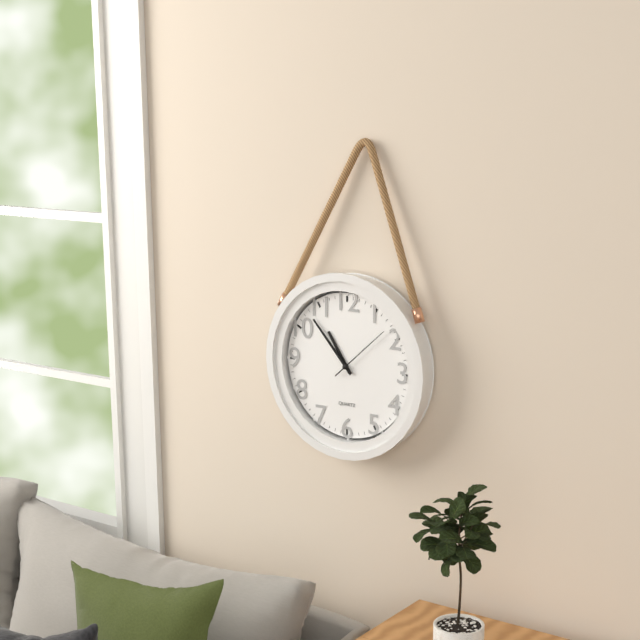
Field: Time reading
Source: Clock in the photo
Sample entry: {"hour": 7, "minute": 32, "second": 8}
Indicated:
{"hour": 10, "minute": 53, "second": 8}
